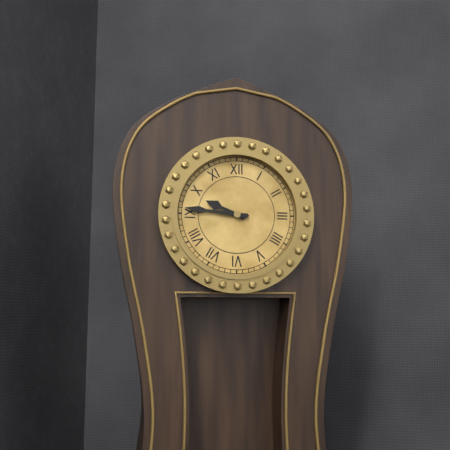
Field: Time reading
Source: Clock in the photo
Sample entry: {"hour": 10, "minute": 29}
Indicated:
{"hour": 9, "minute": 46}
